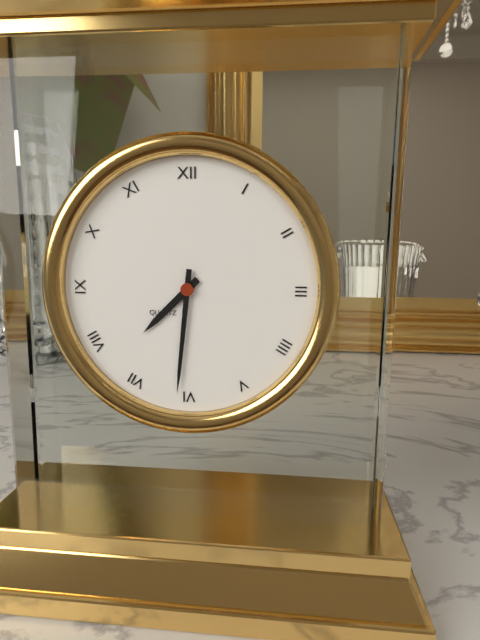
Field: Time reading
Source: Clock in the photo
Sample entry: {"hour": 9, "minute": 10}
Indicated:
{"hour": 7, "minute": 31}
